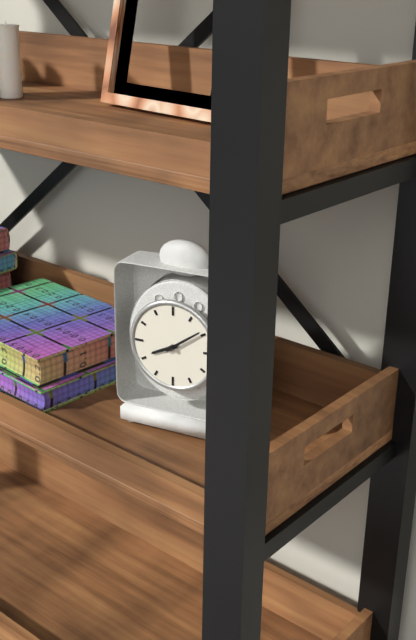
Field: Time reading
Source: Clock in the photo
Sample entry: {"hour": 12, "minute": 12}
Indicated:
{"hour": 8, "minute": 9}
